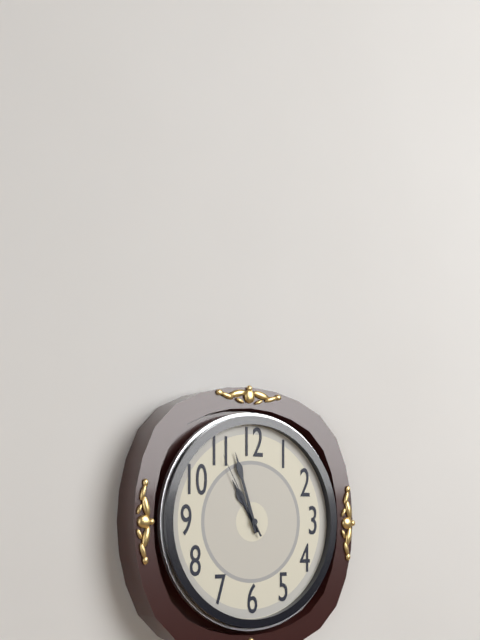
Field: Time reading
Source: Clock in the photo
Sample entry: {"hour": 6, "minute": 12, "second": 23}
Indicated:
{"hour": 10, "minute": 57, "second": 55}
